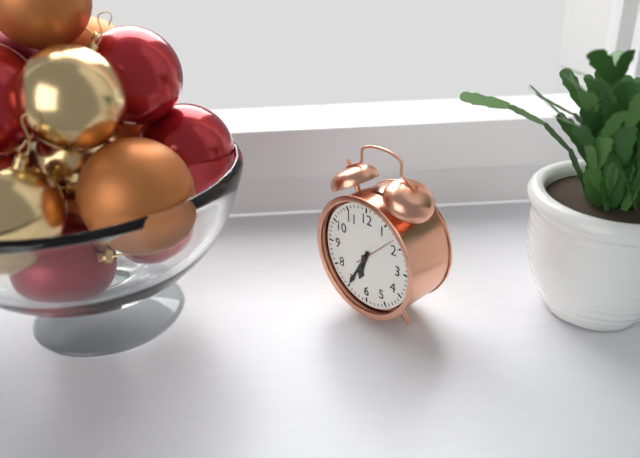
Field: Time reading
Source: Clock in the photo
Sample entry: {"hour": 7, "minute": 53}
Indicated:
{"hour": 6, "minute": 35}
